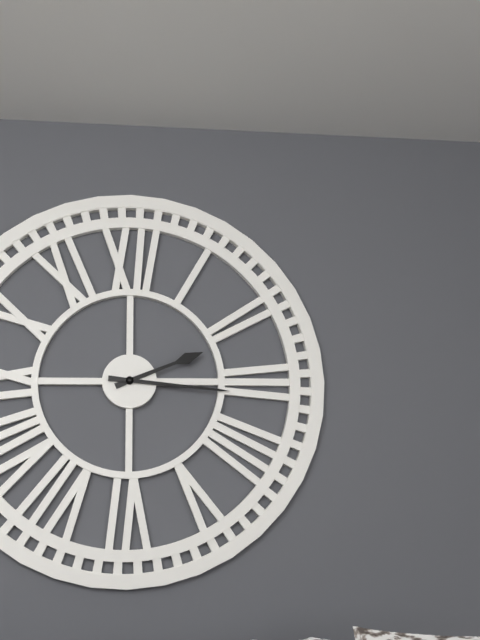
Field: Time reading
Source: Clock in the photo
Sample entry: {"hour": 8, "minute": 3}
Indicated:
{"hour": 2, "minute": 16}
